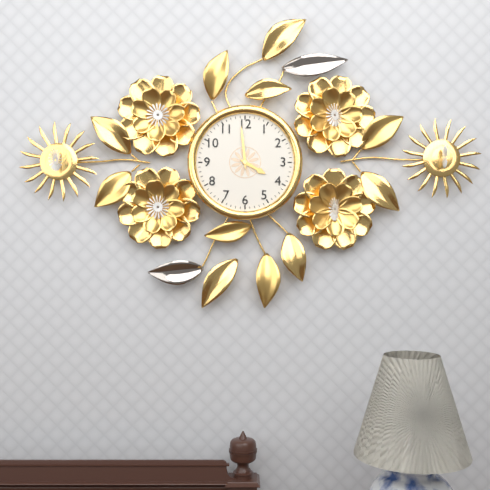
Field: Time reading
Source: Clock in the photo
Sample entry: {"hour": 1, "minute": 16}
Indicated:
{"hour": 3, "minute": 59}
